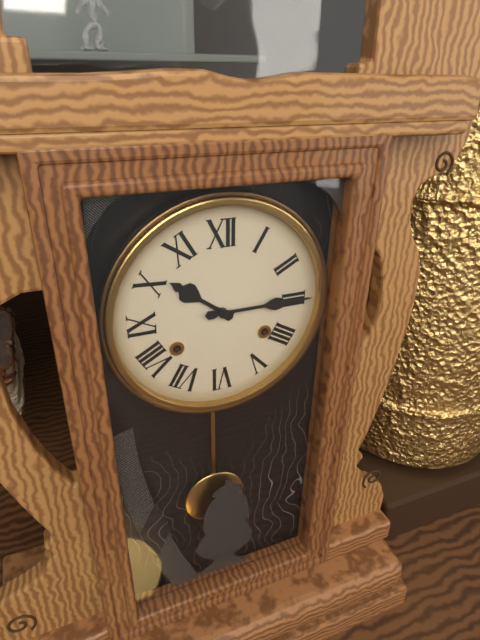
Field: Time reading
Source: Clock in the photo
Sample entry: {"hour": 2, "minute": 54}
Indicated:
{"hour": 10, "minute": 15}
